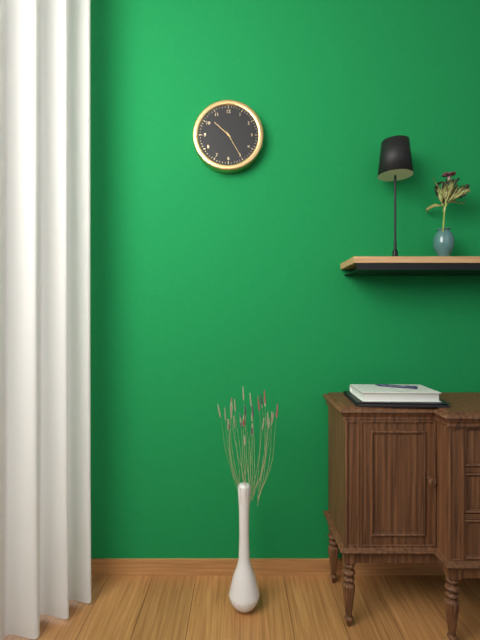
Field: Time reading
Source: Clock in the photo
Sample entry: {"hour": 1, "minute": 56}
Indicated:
{"hour": 10, "minute": 25}
